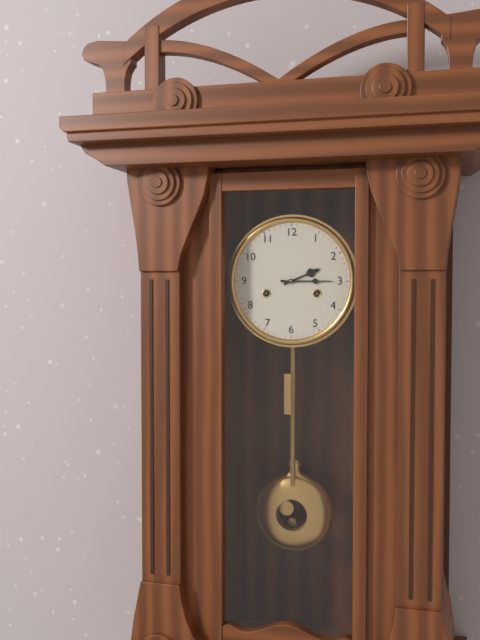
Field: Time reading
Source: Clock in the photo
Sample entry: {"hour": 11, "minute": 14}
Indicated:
{"hour": 2, "minute": 15}
